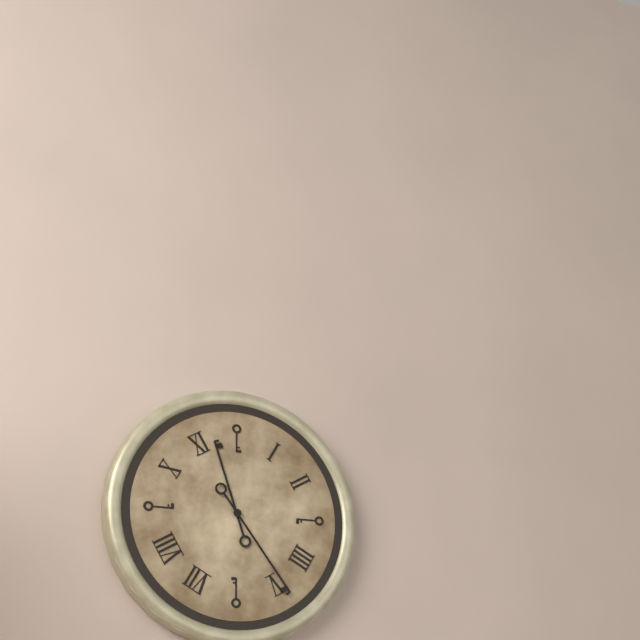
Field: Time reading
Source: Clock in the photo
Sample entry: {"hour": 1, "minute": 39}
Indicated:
{"hour": 11, "minute": 24}
